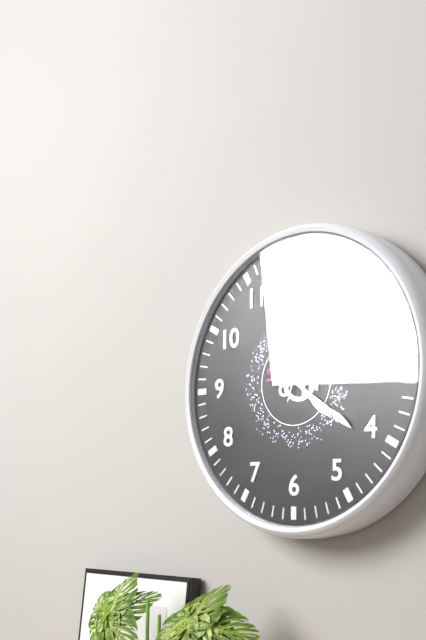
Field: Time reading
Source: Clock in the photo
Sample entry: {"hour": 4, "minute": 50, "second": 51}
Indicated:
{"hour": 4, "minute": 21, "second": 3}
